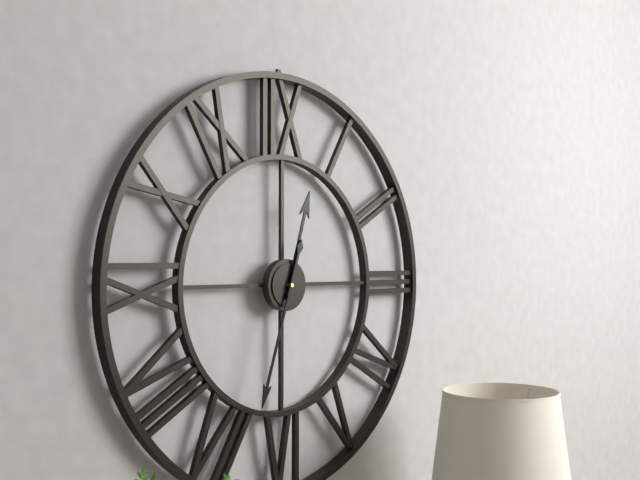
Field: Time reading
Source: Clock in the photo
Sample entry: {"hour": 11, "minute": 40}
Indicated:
{"hour": 12, "minute": 33}
